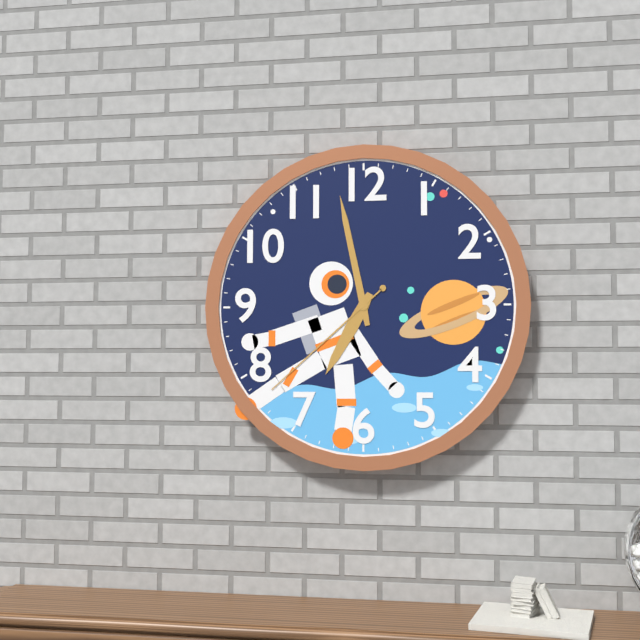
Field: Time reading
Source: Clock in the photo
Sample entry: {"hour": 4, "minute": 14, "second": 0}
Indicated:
{"hour": 6, "minute": 58, "second": 38}
